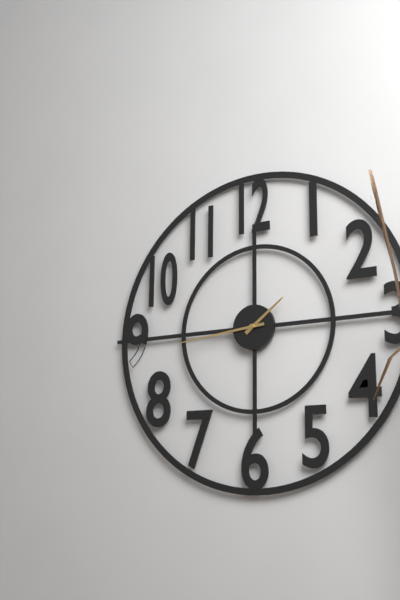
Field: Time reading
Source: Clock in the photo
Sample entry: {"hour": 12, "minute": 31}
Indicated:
{"hour": 1, "minute": 44}
